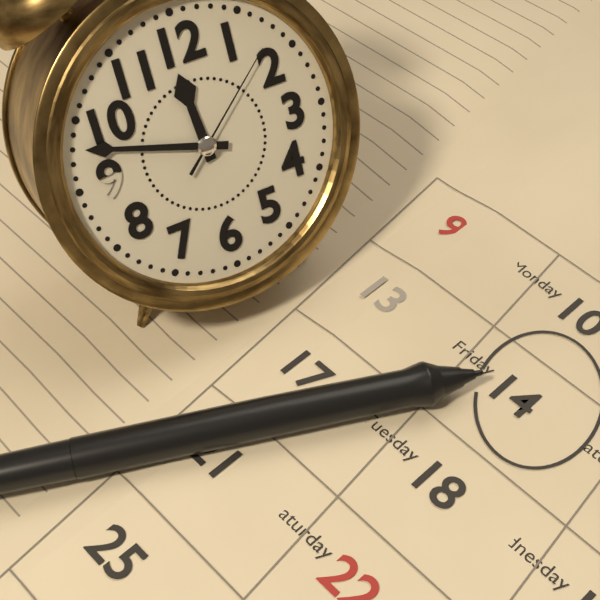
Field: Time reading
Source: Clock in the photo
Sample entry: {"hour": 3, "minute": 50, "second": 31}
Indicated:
{"hour": 11, "minute": 48, "second": 8}
